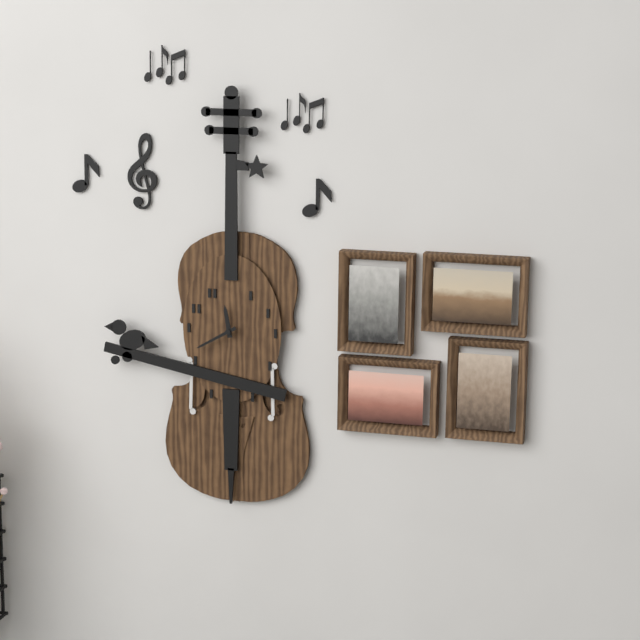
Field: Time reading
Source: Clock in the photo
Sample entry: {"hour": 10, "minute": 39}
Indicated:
{"hour": 11, "minute": 40}
